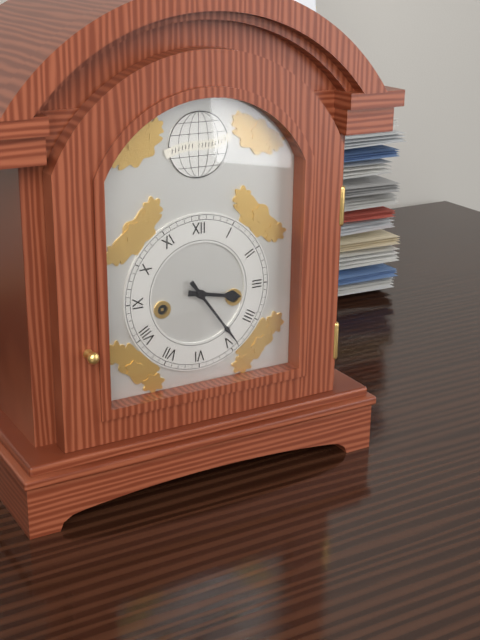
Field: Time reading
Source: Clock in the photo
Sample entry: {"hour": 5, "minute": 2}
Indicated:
{"hour": 3, "minute": 24}
